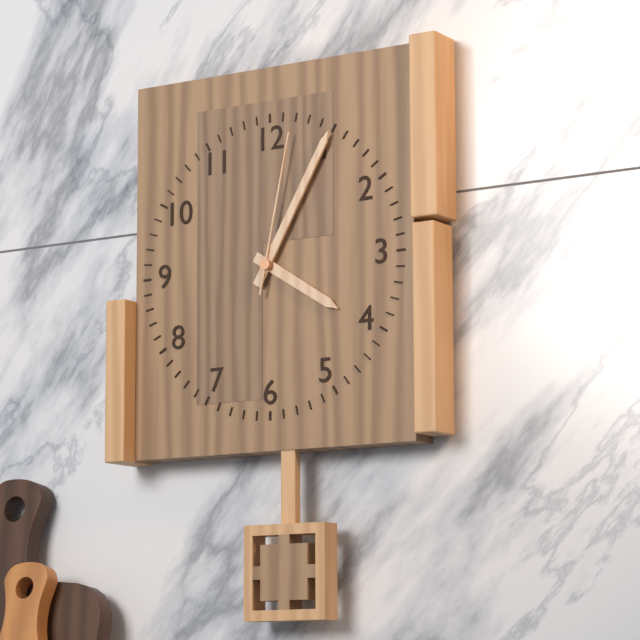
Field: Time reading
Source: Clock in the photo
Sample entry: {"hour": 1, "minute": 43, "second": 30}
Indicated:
{"hour": 4, "minute": 5, "second": 2}
